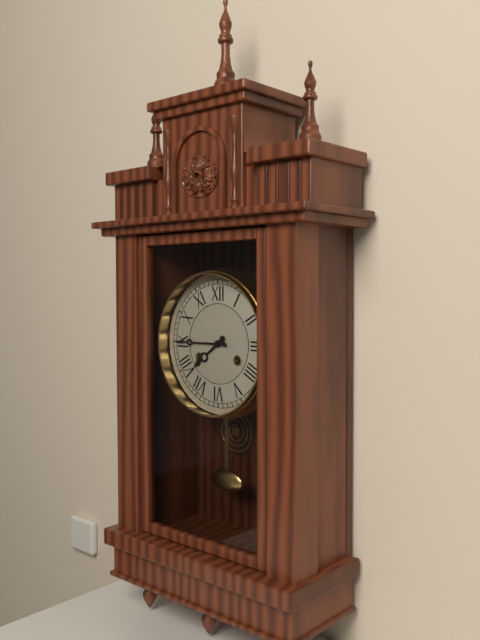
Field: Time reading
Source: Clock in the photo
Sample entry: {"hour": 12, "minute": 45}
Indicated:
{"hour": 7, "minute": 45}
